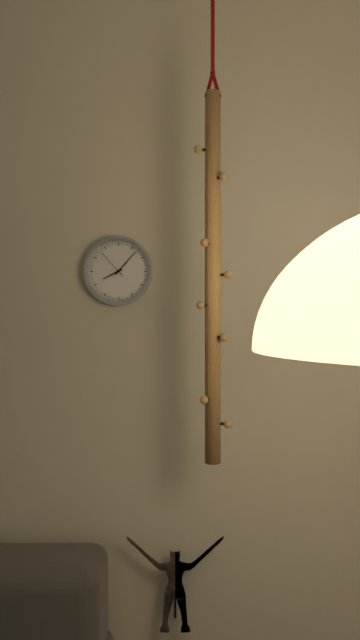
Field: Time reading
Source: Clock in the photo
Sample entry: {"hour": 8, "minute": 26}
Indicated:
{"hour": 8, "minute": 7}
